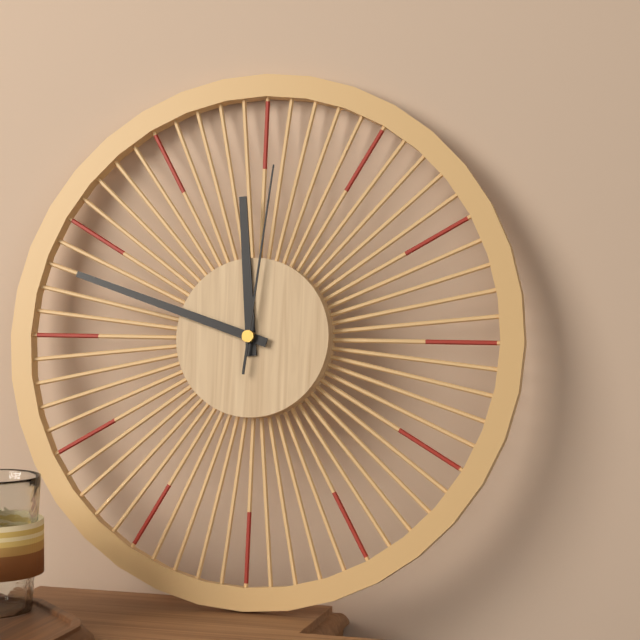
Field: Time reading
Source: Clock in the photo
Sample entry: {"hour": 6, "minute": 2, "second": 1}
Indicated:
{"hour": 11, "minute": 48, "second": 1}
